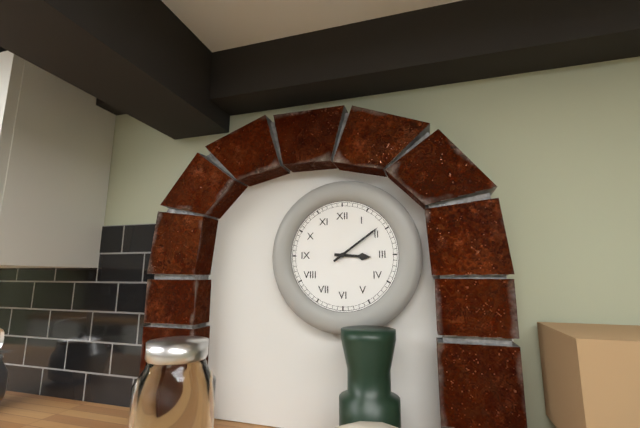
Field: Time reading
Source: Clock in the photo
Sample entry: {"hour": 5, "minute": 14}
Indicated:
{"hour": 3, "minute": 9}
